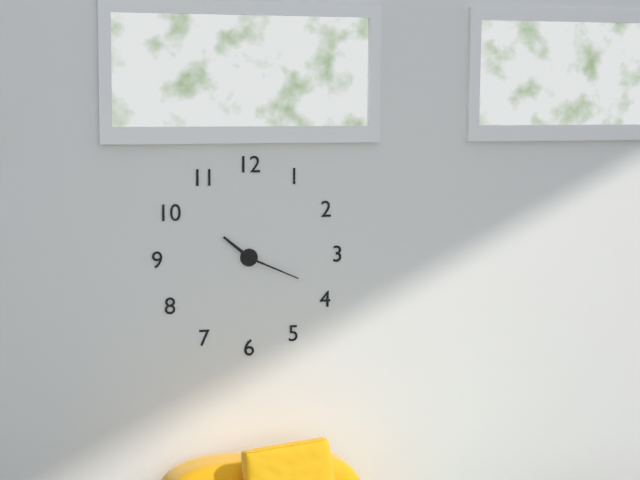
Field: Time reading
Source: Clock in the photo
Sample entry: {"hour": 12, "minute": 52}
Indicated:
{"hour": 10, "minute": 19}
